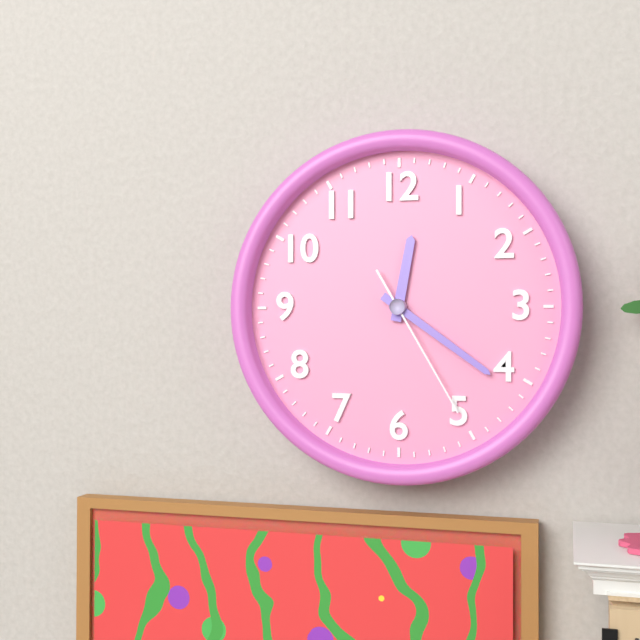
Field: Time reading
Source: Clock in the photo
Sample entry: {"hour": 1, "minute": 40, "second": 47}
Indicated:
{"hour": 12, "minute": 21, "second": 25}
